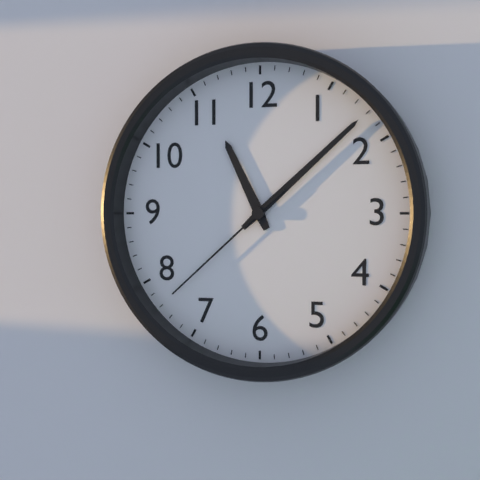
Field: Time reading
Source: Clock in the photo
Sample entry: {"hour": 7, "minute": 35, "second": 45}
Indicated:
{"hour": 11, "minute": 8, "second": 38}
